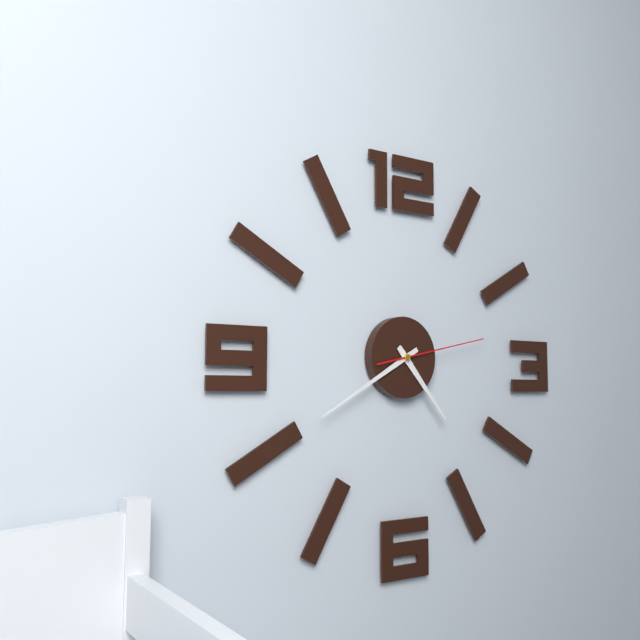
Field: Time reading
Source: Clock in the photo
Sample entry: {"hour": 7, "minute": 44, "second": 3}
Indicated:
{"hour": 4, "minute": 40, "second": 13}
